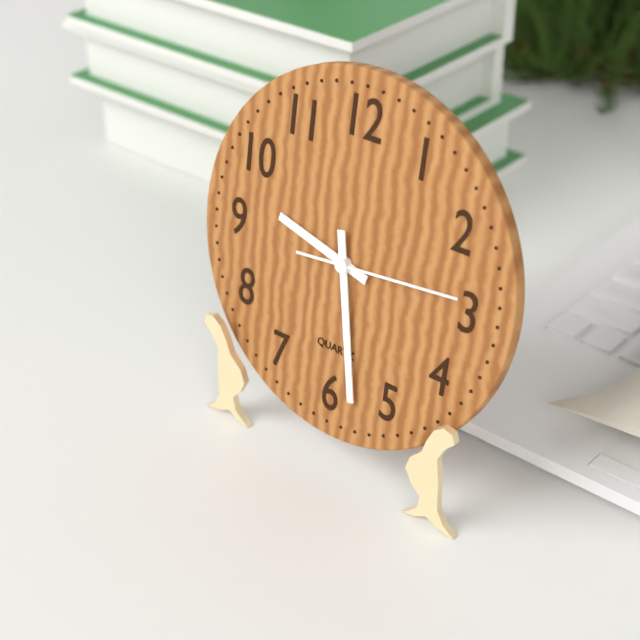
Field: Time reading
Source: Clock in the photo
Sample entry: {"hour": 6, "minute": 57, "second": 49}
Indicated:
{"hour": 9, "minute": 28, "second": 14}
